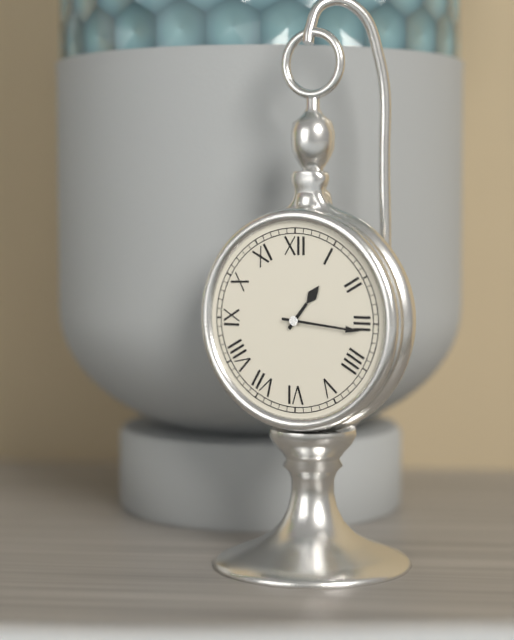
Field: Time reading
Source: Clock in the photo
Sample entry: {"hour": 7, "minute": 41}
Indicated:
{"hour": 1, "minute": 16}
